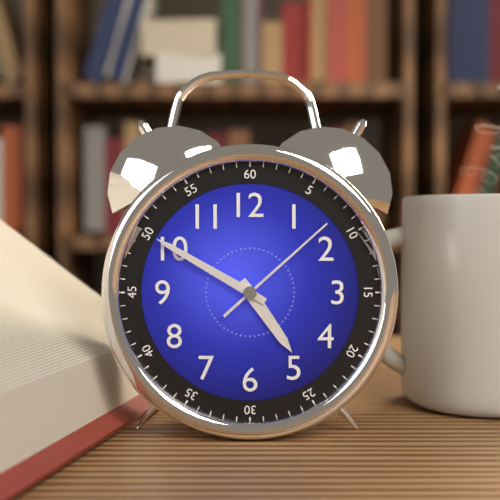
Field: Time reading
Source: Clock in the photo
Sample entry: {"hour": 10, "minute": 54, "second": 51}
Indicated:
{"hour": 4, "minute": 50, "second": 8}
